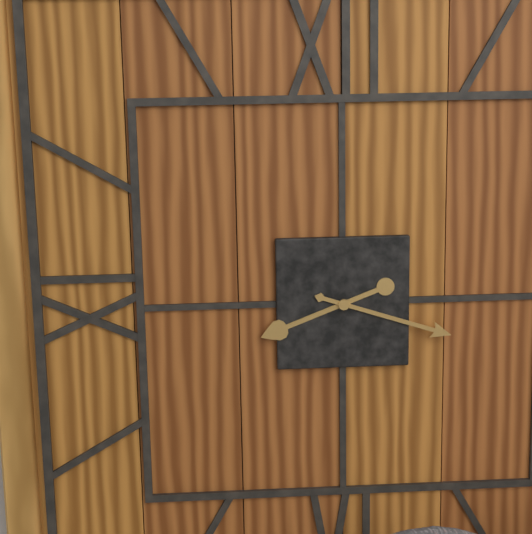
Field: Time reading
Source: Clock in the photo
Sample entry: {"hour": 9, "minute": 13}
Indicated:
{"hour": 8, "minute": 18}
